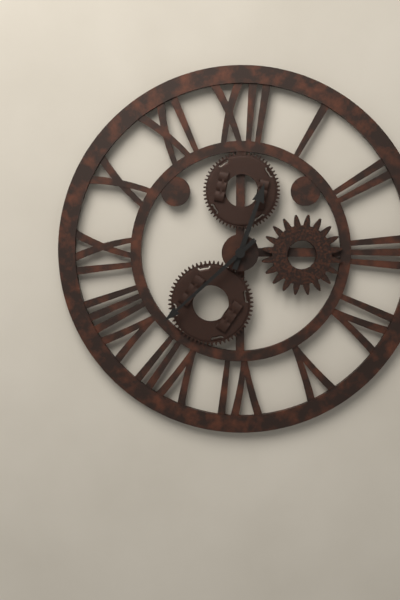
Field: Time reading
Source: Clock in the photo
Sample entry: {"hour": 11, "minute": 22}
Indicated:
{"hour": 12, "minute": 38}
